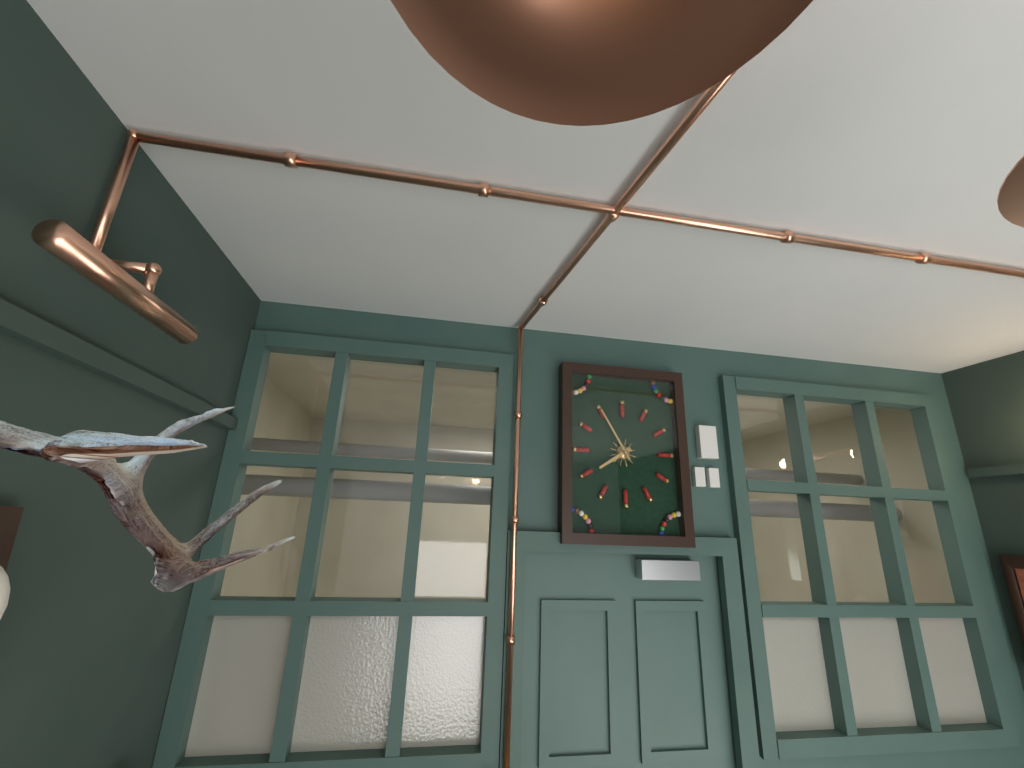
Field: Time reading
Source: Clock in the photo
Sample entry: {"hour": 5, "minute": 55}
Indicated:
{"hour": 7, "minute": 55}
